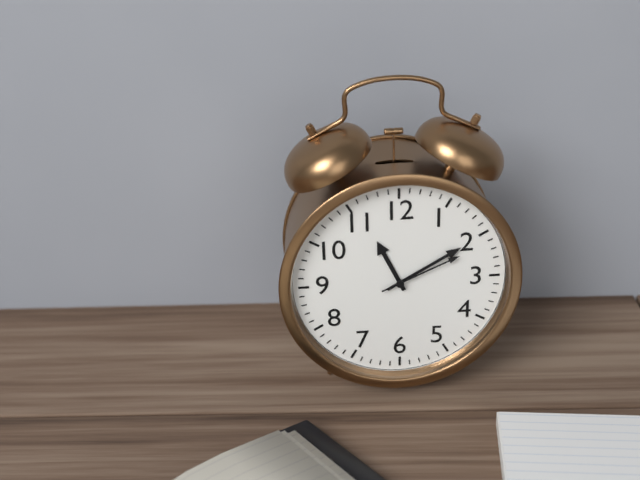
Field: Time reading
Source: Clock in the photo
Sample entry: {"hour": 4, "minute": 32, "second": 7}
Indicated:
{"hour": 11, "minute": 10, "second": 11}
